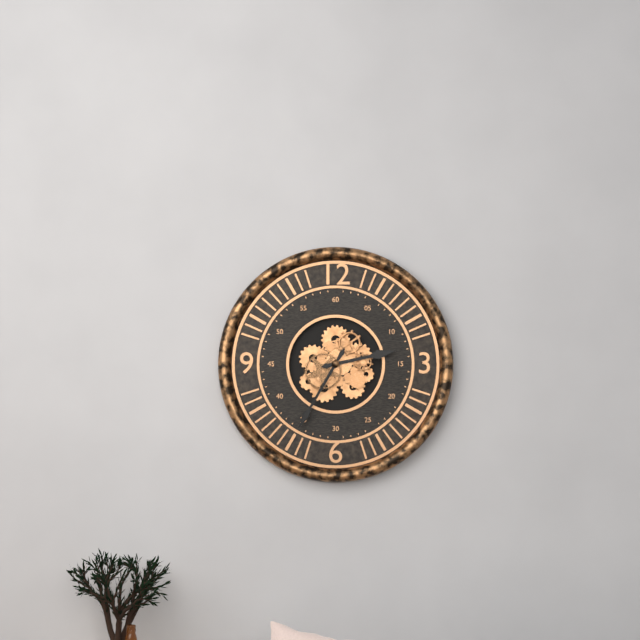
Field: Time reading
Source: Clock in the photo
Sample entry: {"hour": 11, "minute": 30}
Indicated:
{"hour": 2, "minute": 35}
